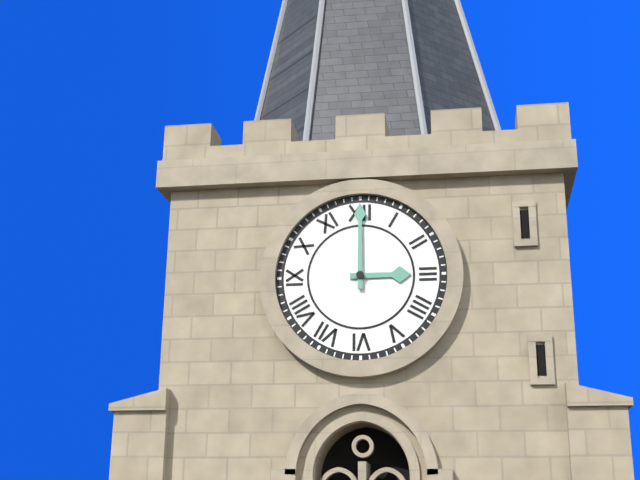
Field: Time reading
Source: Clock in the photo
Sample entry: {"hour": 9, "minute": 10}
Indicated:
{"hour": 3, "minute": 0}
